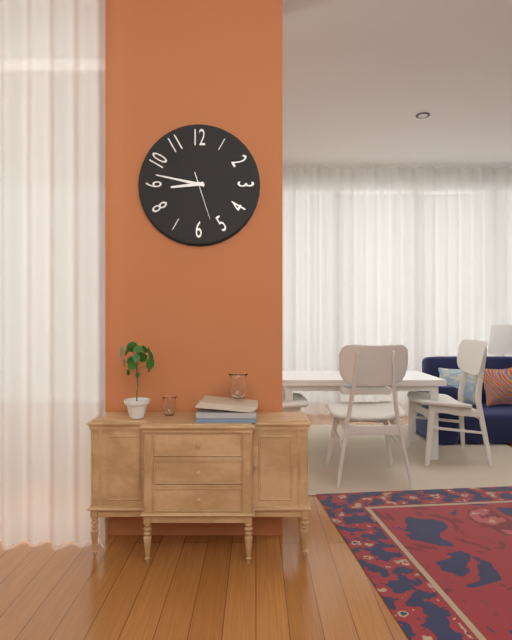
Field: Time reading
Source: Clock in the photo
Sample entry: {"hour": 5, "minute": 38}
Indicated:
{"hour": 8, "minute": 47}
